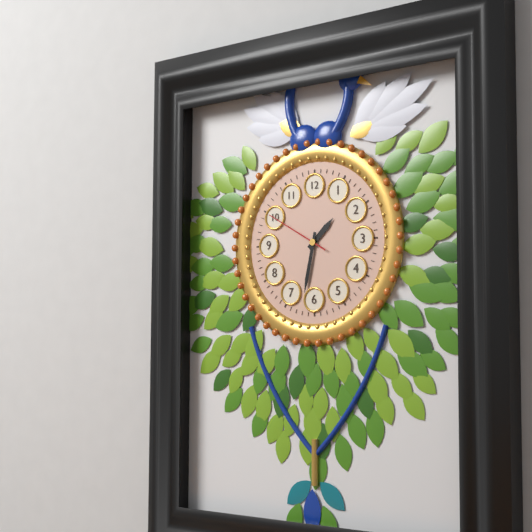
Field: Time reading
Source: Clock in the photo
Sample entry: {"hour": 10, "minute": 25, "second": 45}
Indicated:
{"hour": 1, "minute": 32, "second": 50}
